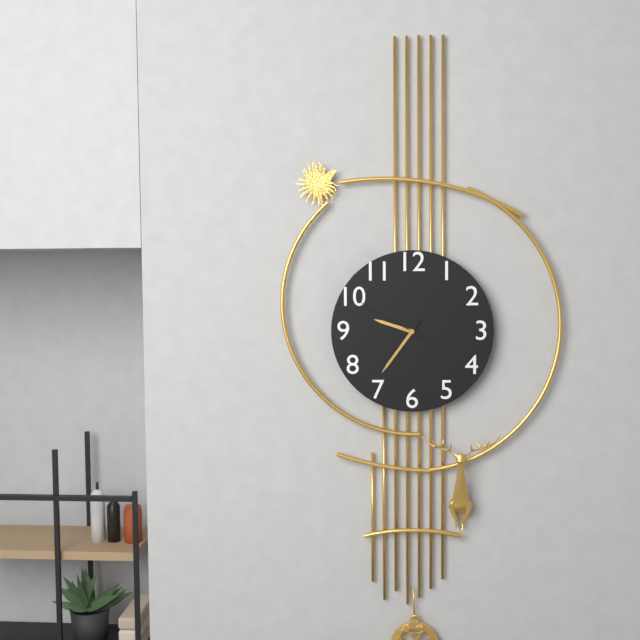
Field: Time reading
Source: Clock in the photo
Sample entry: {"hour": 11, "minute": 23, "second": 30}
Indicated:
{"hour": 9, "minute": 36, "second": 50}
